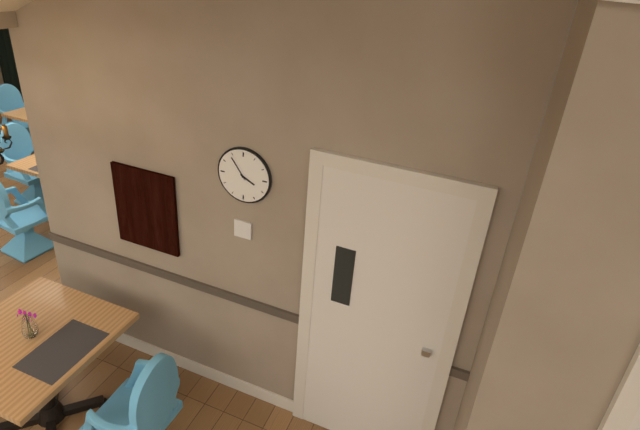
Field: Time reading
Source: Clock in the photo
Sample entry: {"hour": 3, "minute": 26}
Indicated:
{"hour": 3, "minute": 54}
